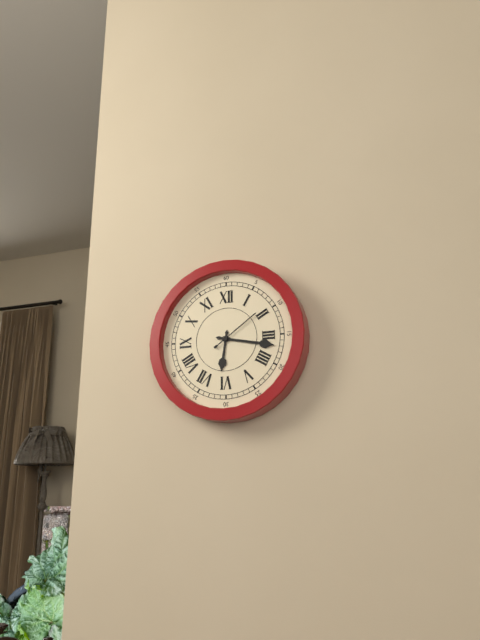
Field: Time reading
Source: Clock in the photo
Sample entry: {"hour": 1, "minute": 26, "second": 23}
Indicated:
{"hour": 6, "minute": 17, "second": 9}
